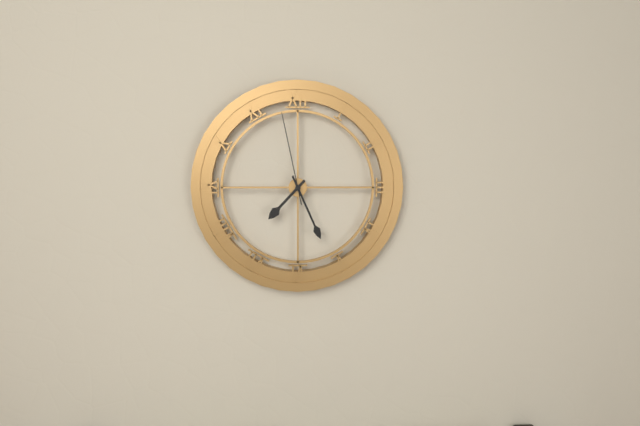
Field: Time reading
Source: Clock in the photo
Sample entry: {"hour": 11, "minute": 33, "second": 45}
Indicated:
{"hour": 7, "minute": 26, "second": 58}
